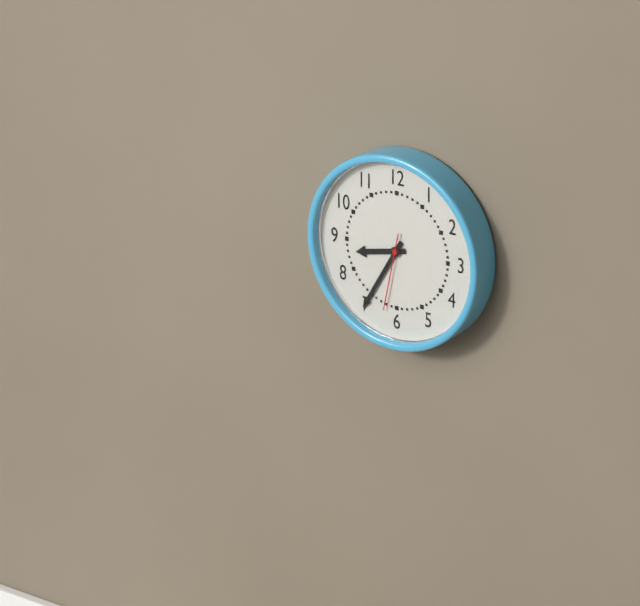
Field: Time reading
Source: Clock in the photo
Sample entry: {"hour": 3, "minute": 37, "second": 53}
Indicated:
{"hour": 8, "minute": 35, "second": 32}
